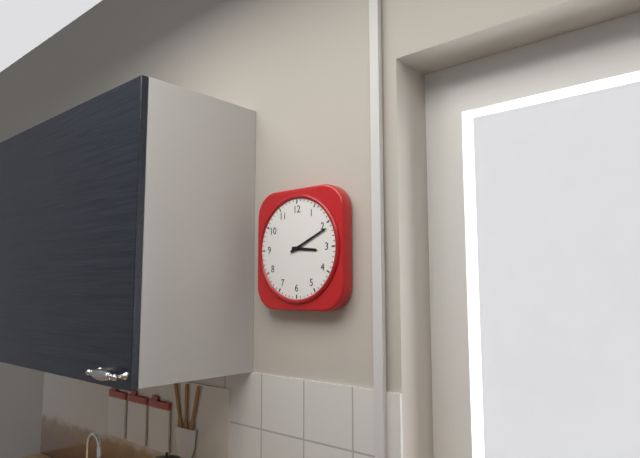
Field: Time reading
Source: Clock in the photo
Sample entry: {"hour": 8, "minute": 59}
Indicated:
{"hour": 3, "minute": 11}
